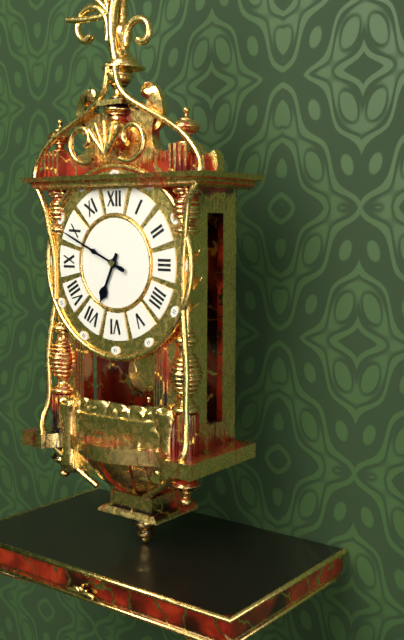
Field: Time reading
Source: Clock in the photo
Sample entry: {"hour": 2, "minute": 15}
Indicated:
{"hour": 6, "minute": 49}
